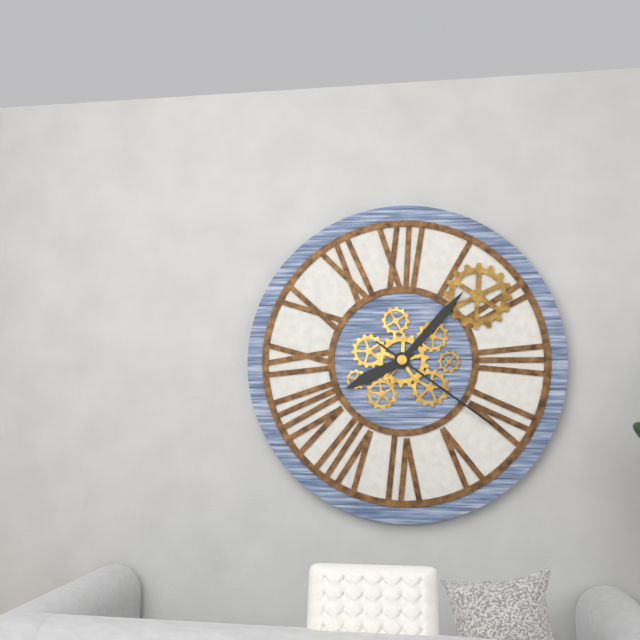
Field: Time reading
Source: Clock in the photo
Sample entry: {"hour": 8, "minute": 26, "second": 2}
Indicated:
{"hour": 8, "minute": 7, "second": 21}
